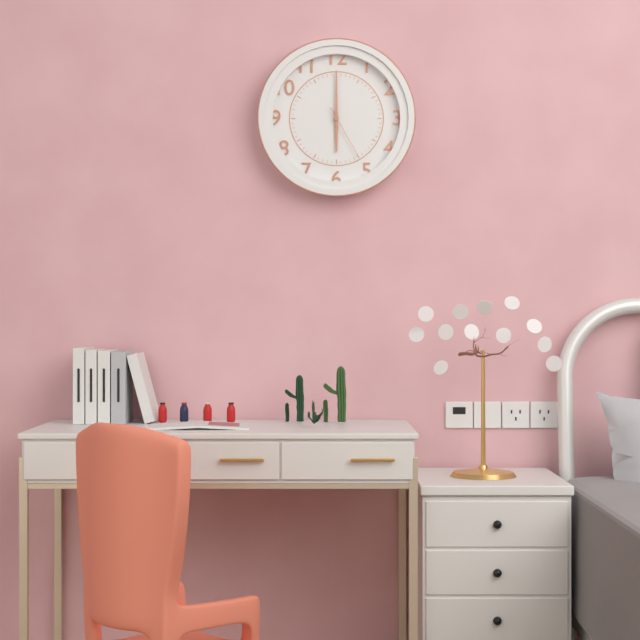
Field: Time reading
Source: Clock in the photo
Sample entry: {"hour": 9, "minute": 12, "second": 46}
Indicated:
{"hour": 6, "minute": 0, "second": 25}
